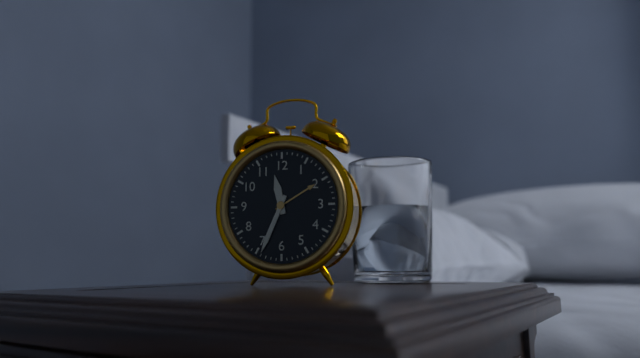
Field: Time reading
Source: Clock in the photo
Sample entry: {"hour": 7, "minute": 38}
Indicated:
{"hour": 11, "minute": 34}
